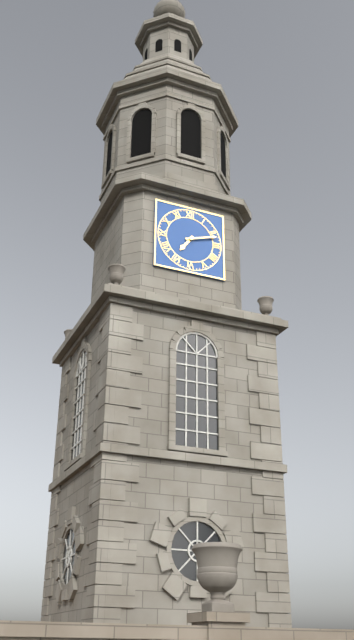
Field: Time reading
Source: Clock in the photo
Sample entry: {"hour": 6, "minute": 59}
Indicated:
{"hour": 7, "minute": 12}
